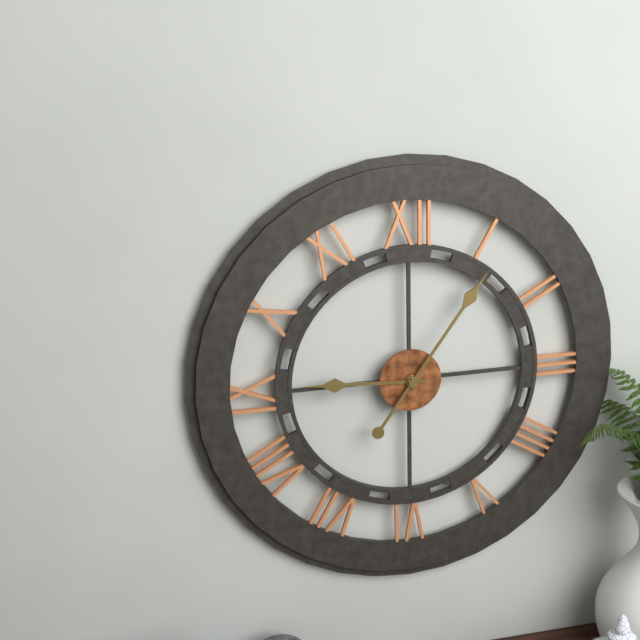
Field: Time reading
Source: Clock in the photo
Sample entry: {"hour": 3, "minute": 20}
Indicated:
{"hour": 9, "minute": 6}
